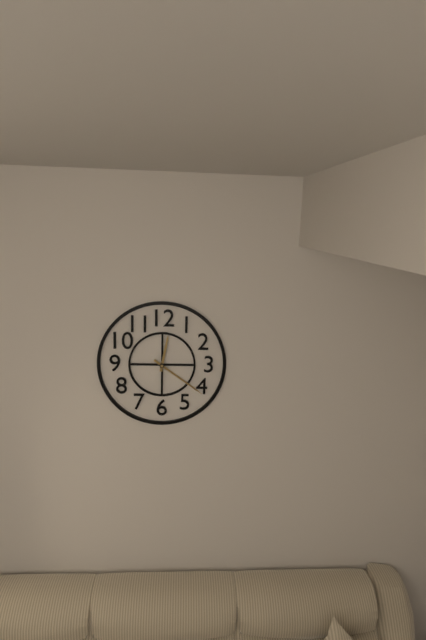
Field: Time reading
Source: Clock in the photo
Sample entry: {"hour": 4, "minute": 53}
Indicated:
{"hour": 12, "minute": 21}
